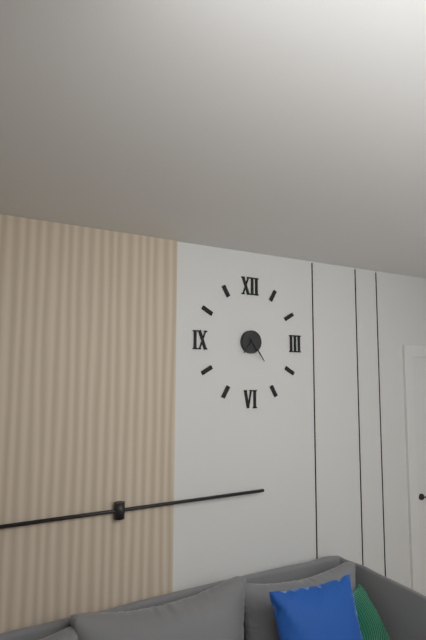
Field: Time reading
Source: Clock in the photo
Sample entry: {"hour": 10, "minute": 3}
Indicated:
{"hour": 7, "minute": 24}
